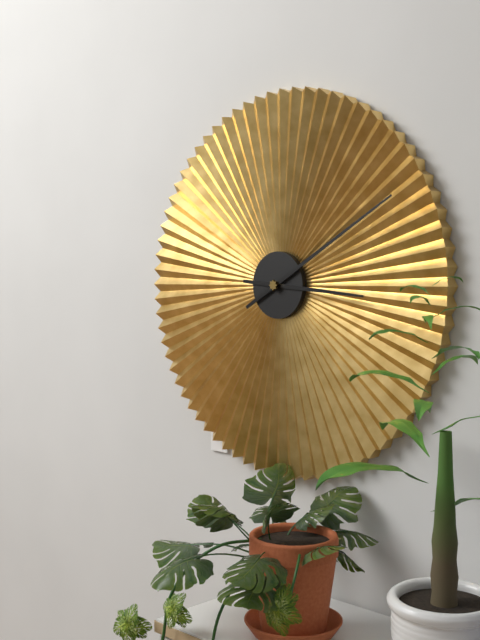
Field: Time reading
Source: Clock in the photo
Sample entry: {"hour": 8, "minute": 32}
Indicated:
{"hour": 3, "minute": 10}
